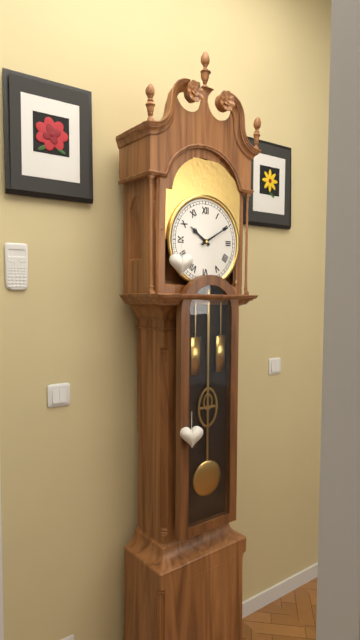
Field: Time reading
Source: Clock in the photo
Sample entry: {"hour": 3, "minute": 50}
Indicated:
{"hour": 10, "minute": 10}
